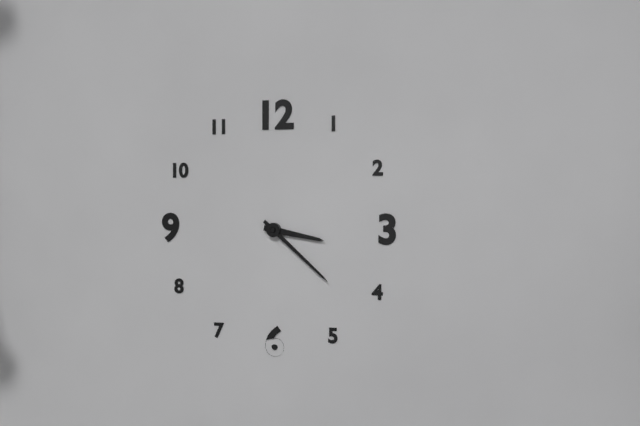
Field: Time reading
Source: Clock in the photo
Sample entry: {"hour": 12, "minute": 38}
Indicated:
{"hour": 3, "minute": 22}
